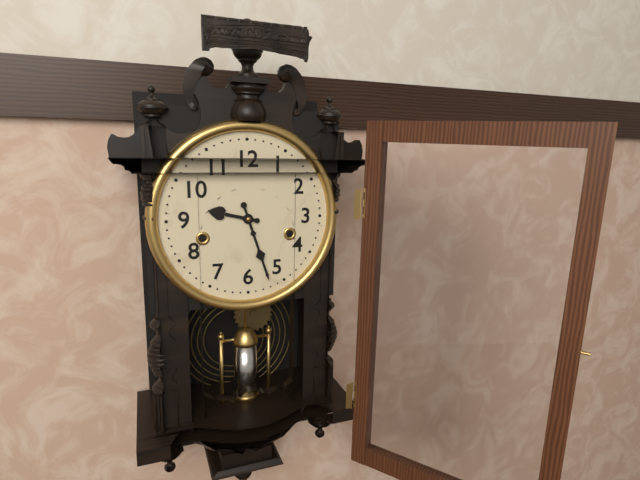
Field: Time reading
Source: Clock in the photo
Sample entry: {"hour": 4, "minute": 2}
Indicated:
{"hour": 9, "minute": 27}
